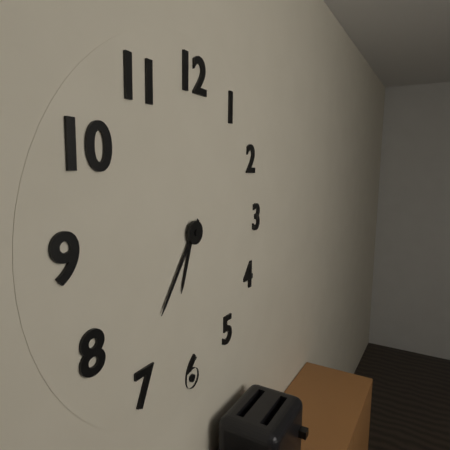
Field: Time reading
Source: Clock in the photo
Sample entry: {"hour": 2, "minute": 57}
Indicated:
{"hour": 6, "minute": 36}
